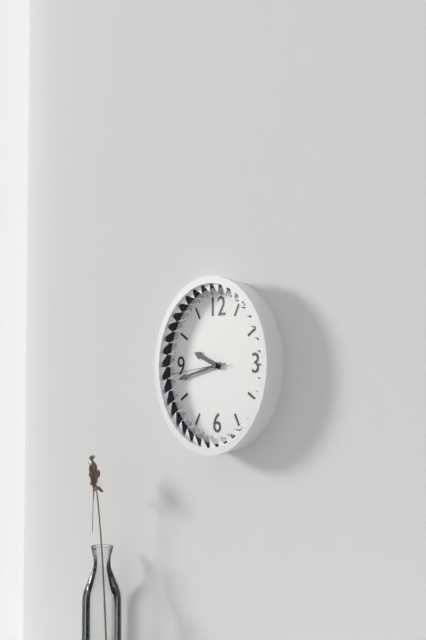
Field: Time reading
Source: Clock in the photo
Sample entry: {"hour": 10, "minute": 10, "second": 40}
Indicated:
{"hour": 9, "minute": 43, "second": 44}
